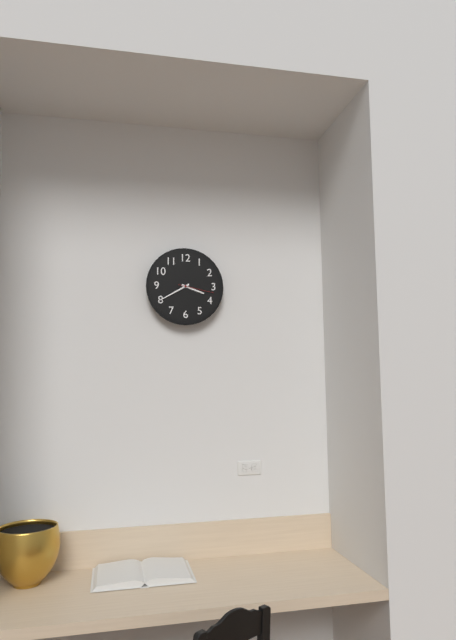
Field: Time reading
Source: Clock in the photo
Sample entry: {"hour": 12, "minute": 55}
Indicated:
{"hour": 3, "minute": 40}
